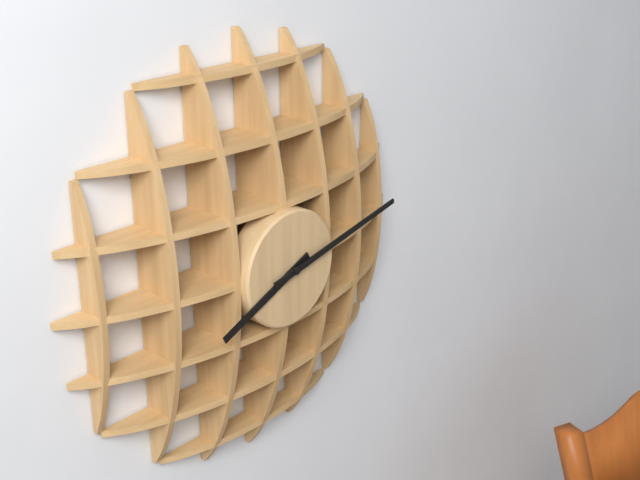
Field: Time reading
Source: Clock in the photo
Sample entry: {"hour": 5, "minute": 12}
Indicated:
{"hour": 8, "minute": 13}
